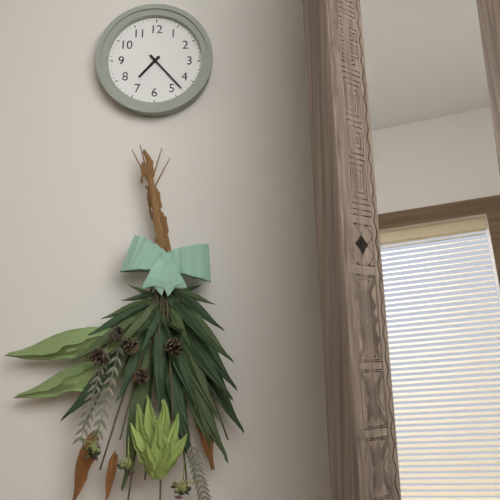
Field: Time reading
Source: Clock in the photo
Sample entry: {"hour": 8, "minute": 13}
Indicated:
{"hour": 7, "minute": 23}
